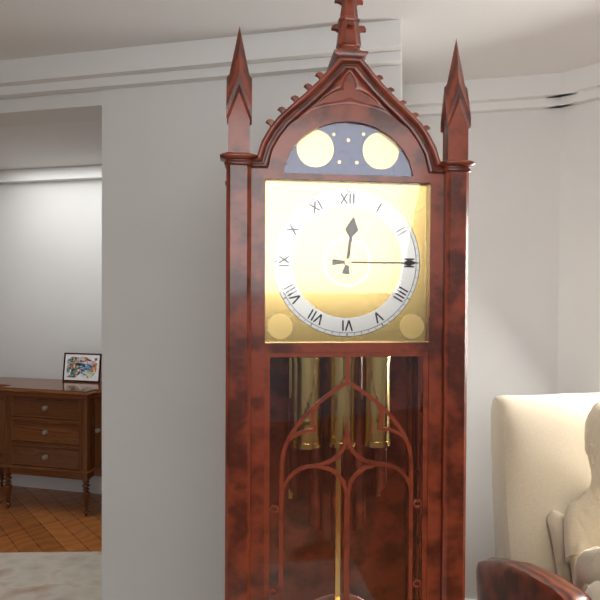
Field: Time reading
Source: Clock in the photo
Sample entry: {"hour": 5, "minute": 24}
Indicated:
{"hour": 12, "minute": 15}
